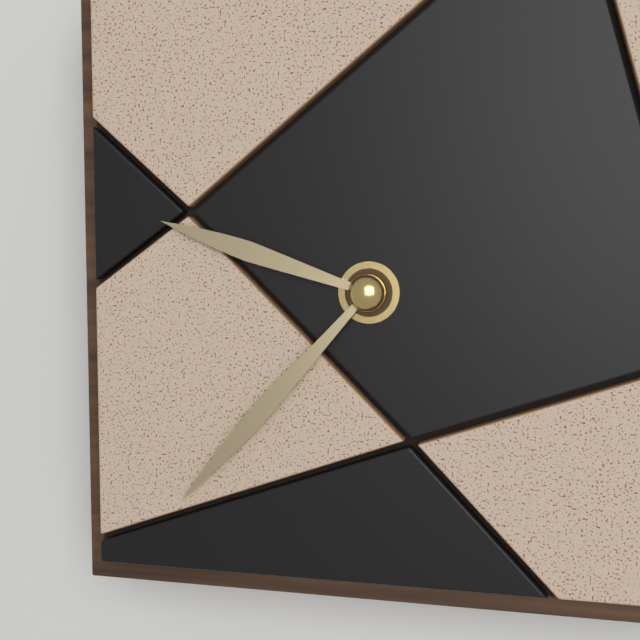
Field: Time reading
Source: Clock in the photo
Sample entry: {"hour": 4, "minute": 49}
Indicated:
{"hour": 9, "minute": 37}
